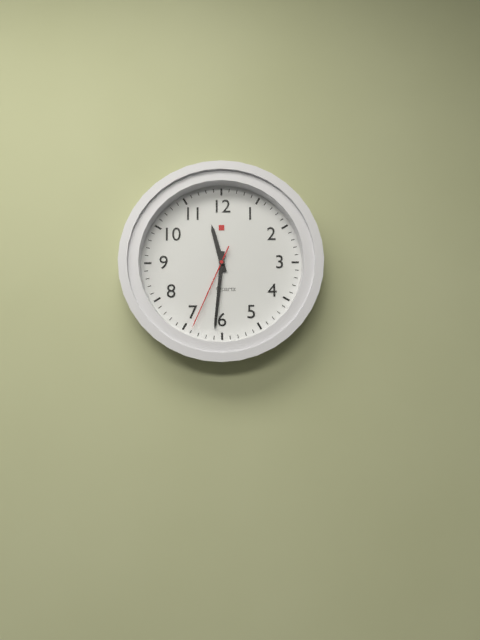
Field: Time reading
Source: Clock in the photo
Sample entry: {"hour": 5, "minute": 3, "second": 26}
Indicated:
{"hour": 11, "minute": 31, "second": 34}
